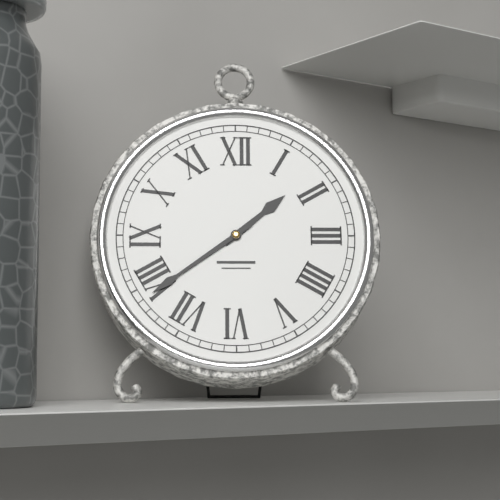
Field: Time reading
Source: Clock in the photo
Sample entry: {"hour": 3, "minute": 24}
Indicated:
{"hour": 1, "minute": 39}
